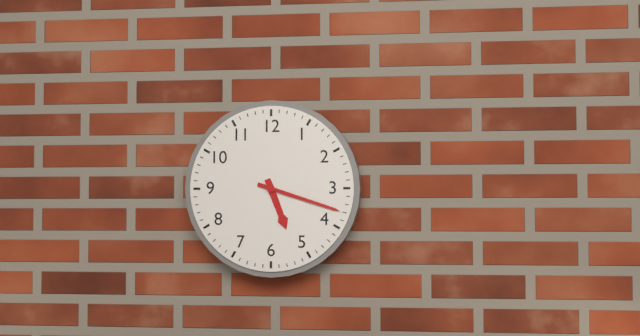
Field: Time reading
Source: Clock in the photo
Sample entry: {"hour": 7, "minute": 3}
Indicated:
{"hour": 5, "minute": 18}
